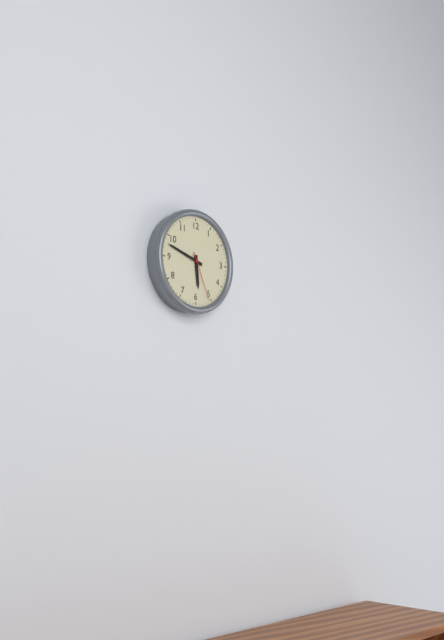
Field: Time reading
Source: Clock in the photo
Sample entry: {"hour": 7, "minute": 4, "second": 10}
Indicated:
{"hour": 5, "minute": 48, "second": 26}
